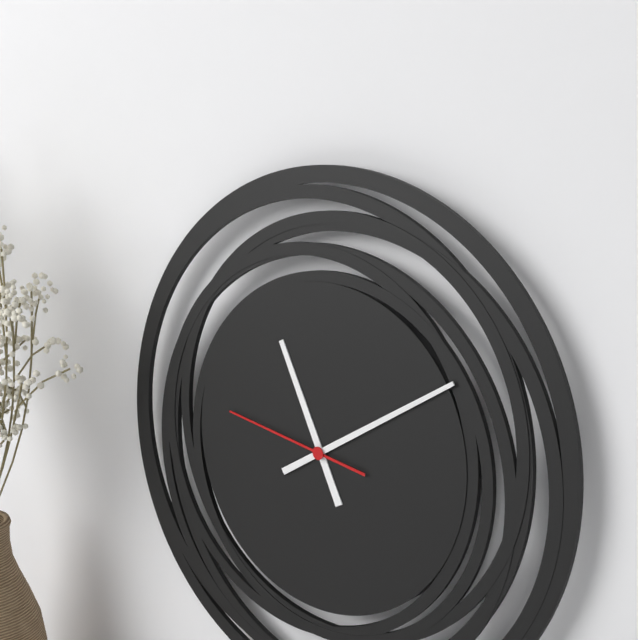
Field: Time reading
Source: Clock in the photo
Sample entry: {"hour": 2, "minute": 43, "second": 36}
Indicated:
{"hour": 11, "minute": 10, "second": 47}
